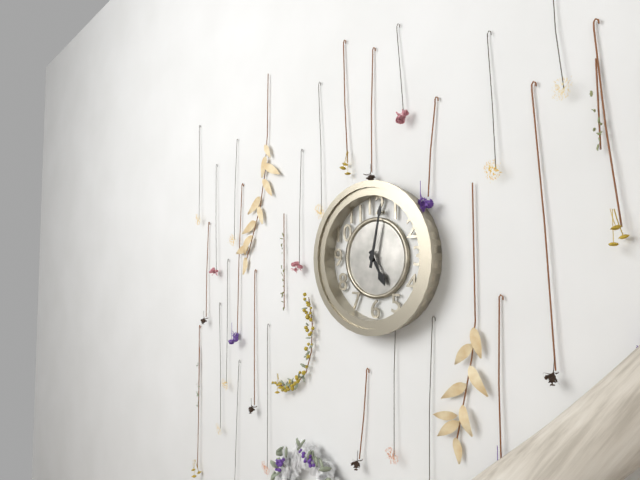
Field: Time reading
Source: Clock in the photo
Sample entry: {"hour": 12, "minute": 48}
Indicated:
{"hour": 5, "minute": 2}
